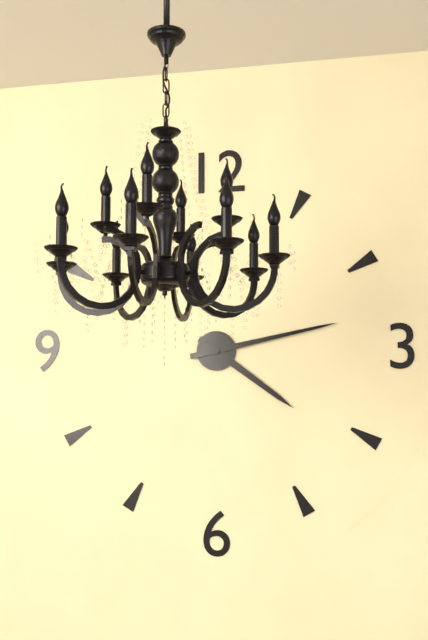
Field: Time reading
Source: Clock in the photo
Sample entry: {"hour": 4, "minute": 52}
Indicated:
{"hour": 4, "minute": 13}
